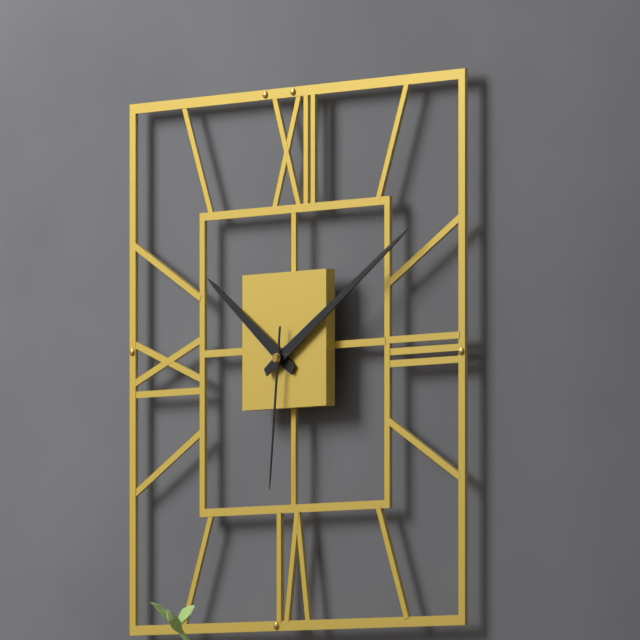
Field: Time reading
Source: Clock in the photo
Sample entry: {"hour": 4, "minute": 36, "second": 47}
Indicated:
{"hour": 10, "minute": 10, "second": 31}
